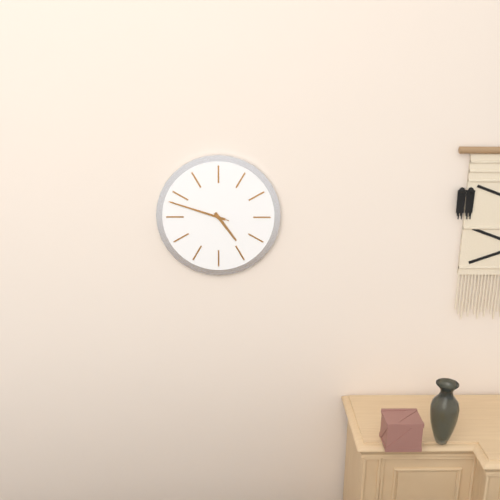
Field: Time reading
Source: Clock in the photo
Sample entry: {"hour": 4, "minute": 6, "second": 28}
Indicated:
{"hour": 4, "minute": 48, "second": 48}
